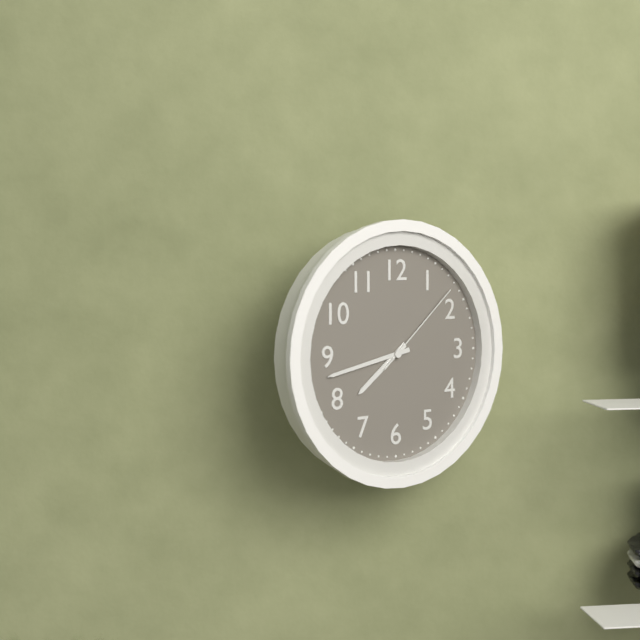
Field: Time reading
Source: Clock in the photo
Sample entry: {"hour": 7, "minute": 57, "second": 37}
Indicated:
{"hour": 7, "minute": 43, "second": 8}
